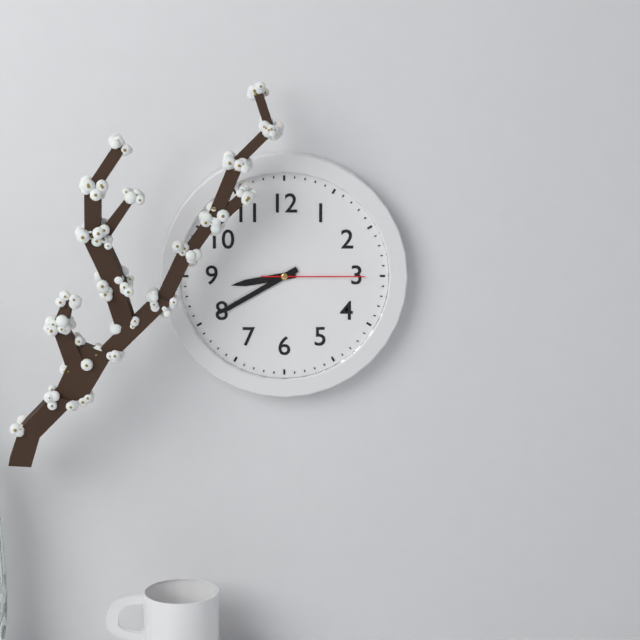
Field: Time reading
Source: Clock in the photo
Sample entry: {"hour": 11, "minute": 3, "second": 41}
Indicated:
{"hour": 8, "minute": 40, "second": 15}
